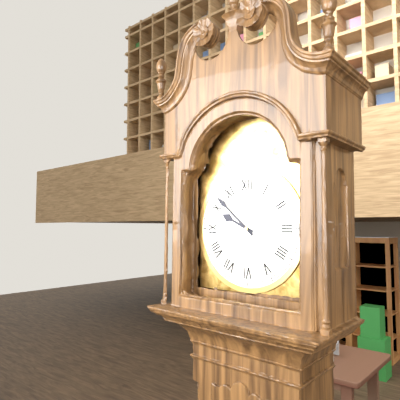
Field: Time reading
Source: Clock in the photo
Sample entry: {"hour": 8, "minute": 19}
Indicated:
{"hour": 9, "minute": 52}
